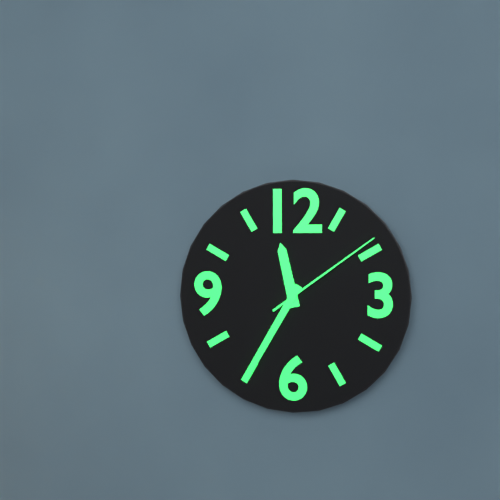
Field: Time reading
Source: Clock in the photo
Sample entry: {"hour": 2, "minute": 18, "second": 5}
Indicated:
{"hour": 11, "minute": 35, "second": 9}
